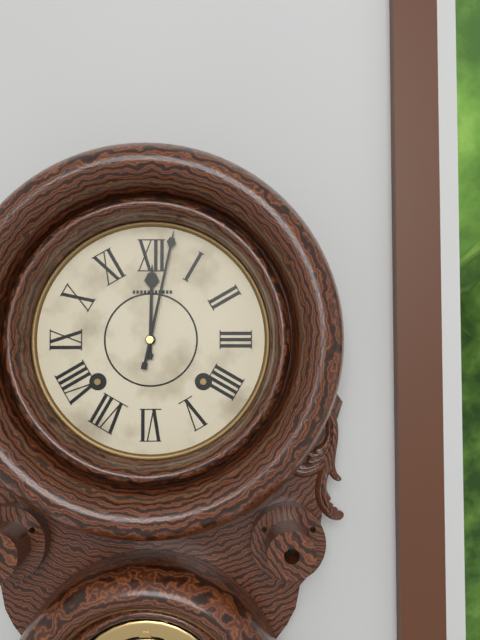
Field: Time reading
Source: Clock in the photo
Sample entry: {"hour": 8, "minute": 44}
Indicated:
{"hour": 12, "minute": 2}
